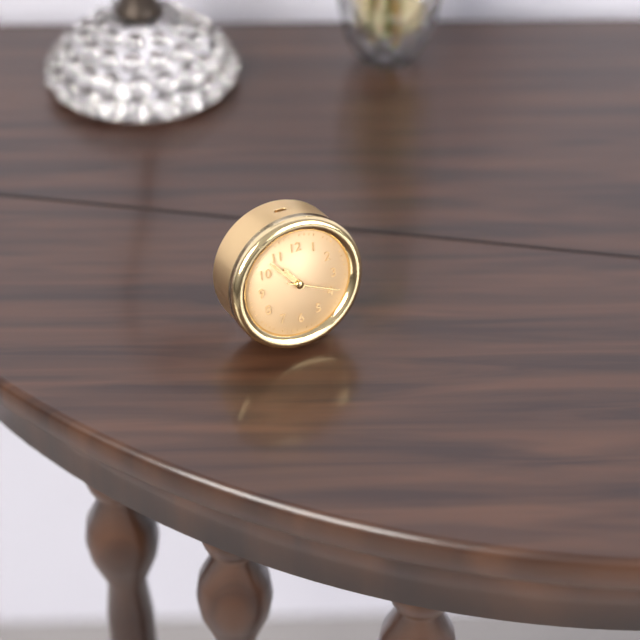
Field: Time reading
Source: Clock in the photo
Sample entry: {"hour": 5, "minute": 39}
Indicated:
{"hour": 10, "minute": 53}
